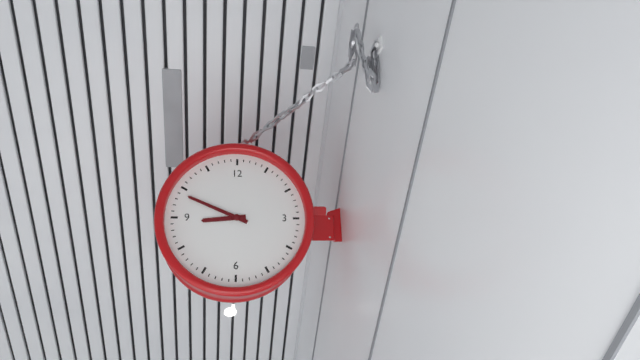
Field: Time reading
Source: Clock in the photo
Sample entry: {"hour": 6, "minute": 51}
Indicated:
{"hour": 8, "minute": 49}
